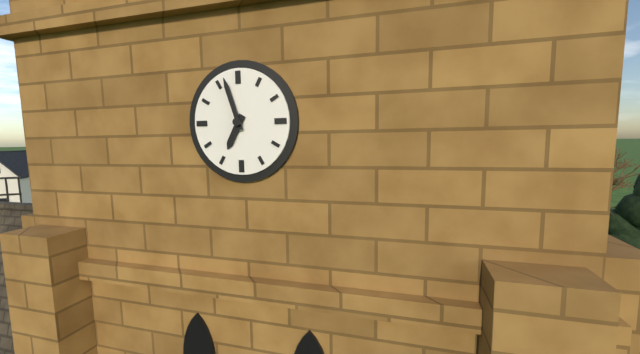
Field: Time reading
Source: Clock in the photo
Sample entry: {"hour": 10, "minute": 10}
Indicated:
{"hour": 6, "minute": 57}
